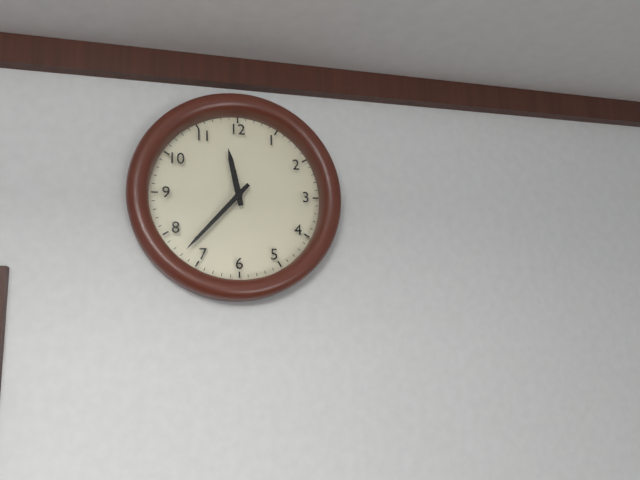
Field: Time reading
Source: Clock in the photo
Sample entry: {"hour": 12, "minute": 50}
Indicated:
{"hour": 11, "minute": 37}
